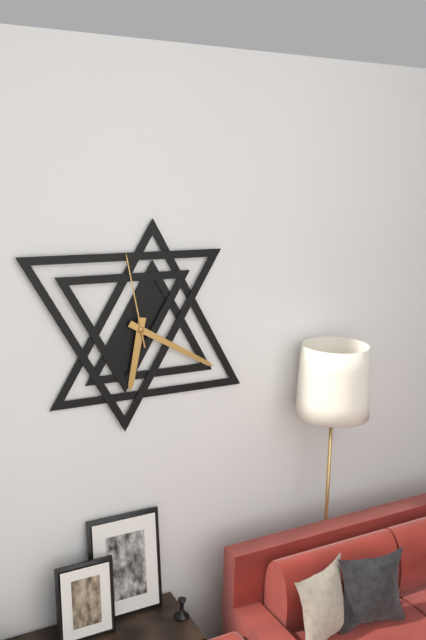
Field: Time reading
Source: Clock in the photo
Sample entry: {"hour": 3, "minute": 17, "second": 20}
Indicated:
{"hour": 6, "minute": 20, "second": 58}
